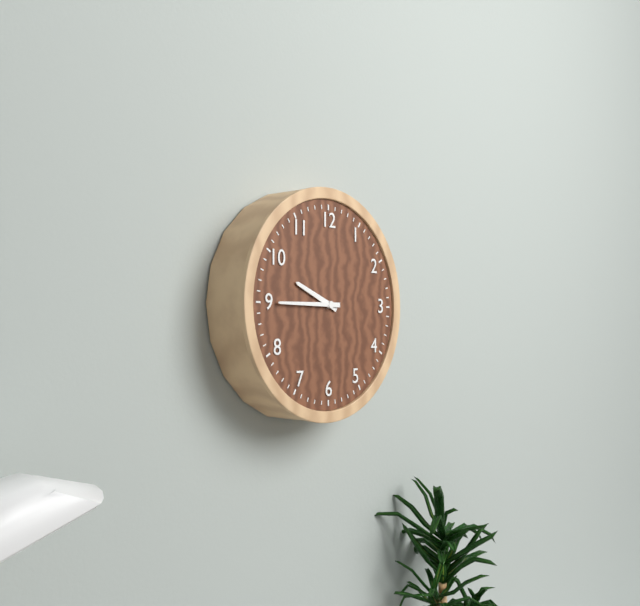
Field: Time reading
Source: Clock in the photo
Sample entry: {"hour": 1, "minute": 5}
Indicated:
{"hour": 9, "minute": 45}
